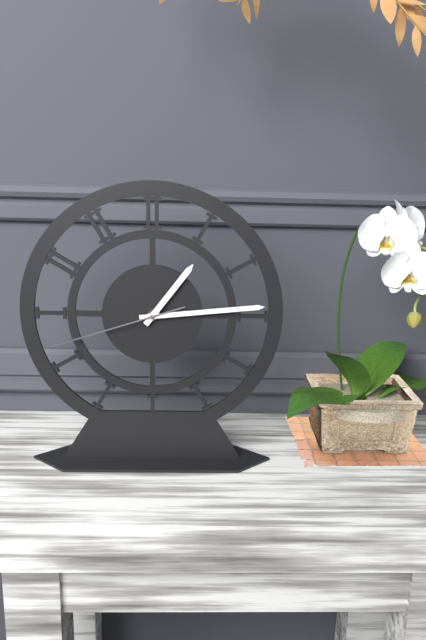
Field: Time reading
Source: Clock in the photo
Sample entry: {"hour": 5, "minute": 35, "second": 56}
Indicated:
{"hour": 1, "minute": 14, "second": 42}
